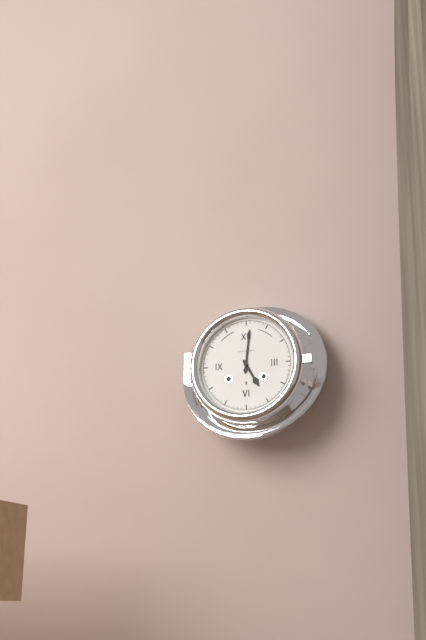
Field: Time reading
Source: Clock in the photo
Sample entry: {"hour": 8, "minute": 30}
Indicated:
{"hour": 5, "minute": 1}
